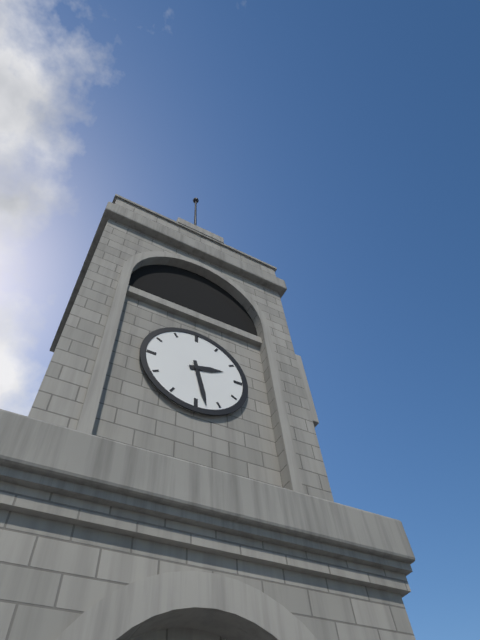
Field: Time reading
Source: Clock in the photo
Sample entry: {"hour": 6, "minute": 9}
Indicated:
{"hour": 2, "minute": 28}
